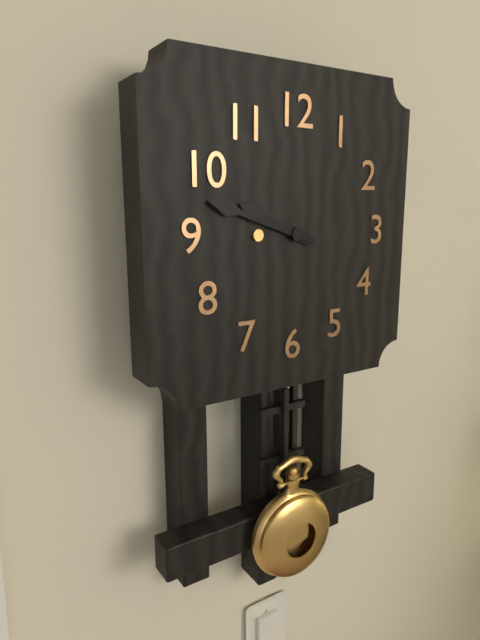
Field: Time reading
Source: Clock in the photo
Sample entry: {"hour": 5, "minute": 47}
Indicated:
{"hour": 9, "minute": 48}
